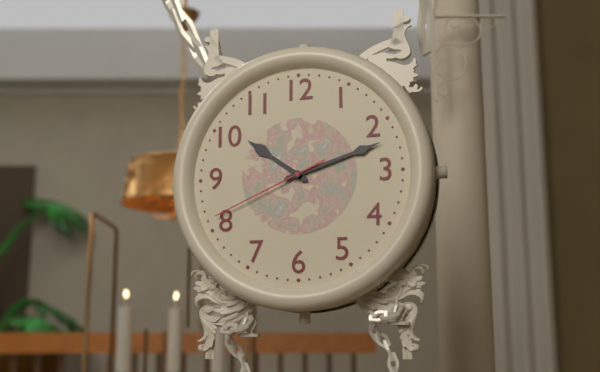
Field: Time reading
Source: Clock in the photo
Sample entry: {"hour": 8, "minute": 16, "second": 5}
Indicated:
{"hour": 10, "minute": 12, "second": 41}
